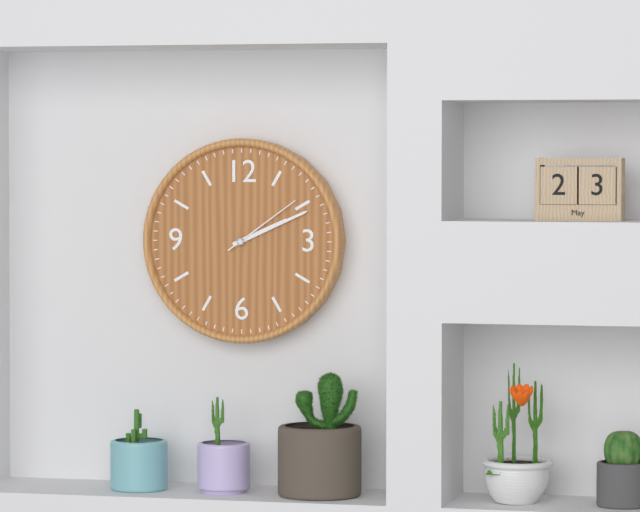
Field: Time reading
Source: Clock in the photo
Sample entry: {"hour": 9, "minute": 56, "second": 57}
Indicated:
{"hour": 2, "minute": 11, "second": 9}
